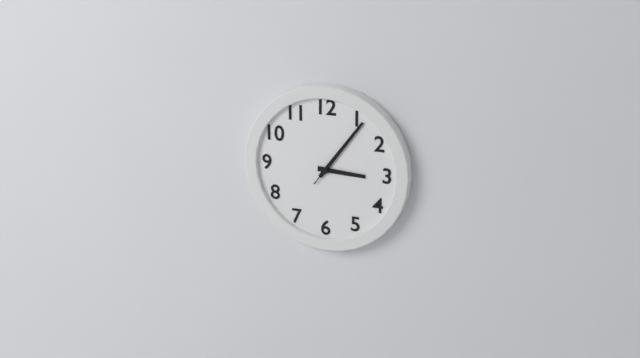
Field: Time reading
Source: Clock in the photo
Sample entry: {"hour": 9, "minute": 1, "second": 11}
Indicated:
{"hour": 3, "minute": 6, "second": 6}
